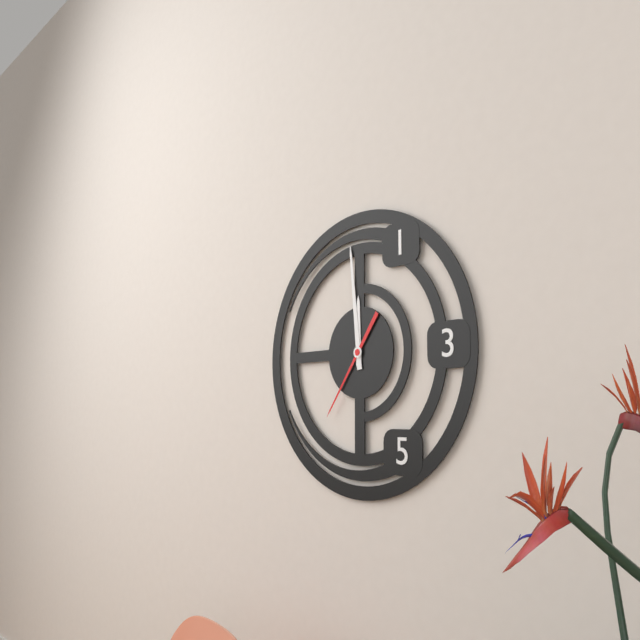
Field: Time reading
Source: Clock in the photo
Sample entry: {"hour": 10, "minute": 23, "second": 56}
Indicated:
{"hour": 11, "minute": 59, "second": 36}
